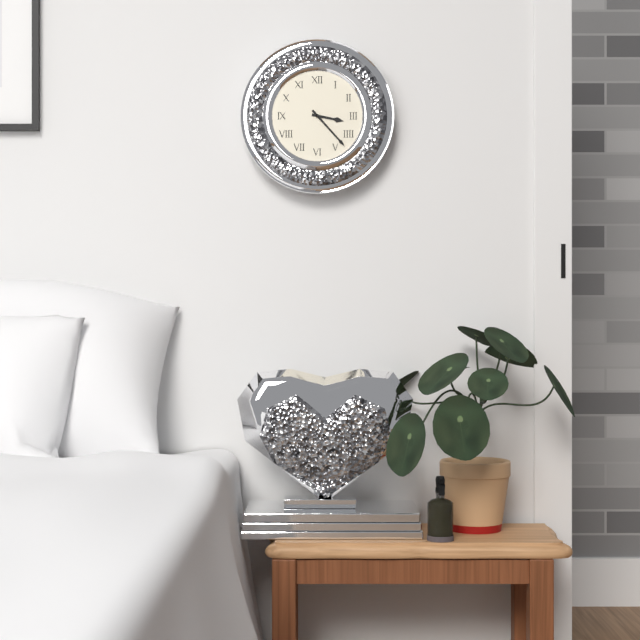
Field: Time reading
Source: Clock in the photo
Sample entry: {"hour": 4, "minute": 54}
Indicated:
{"hour": 3, "minute": 23}
